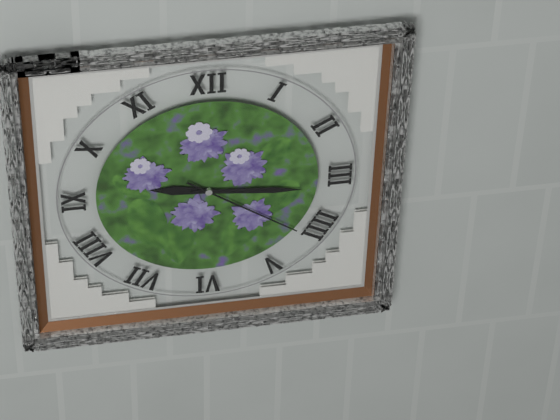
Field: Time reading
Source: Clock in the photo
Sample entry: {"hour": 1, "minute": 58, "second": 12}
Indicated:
{"hour": 9, "minute": 16, "second": 21}
